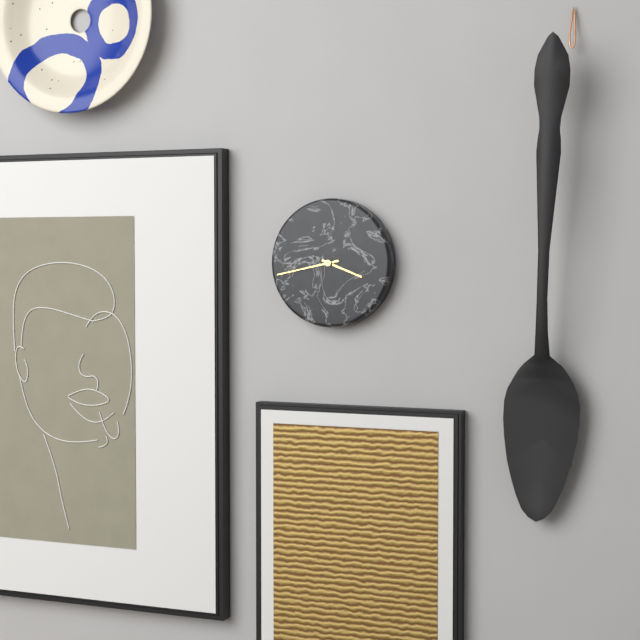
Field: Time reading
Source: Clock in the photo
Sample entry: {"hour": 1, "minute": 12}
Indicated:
{"hour": 3, "minute": 43}
